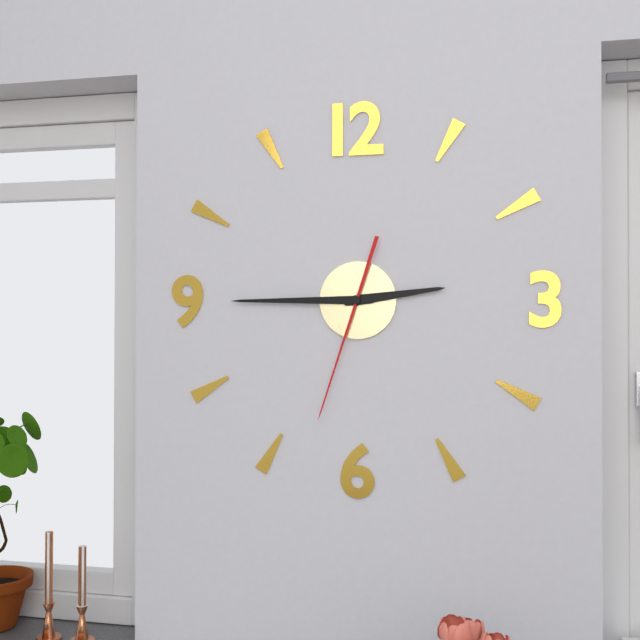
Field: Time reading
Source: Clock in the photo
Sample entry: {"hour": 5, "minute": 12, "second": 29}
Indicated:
{"hour": 2, "minute": 45, "second": 33}
